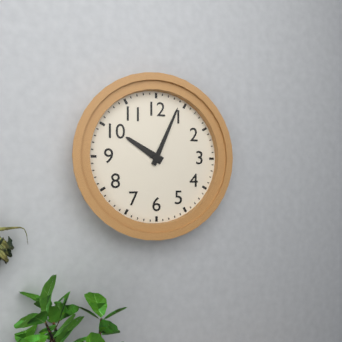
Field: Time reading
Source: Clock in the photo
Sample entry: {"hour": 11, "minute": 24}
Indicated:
{"hour": 10, "minute": 4}
